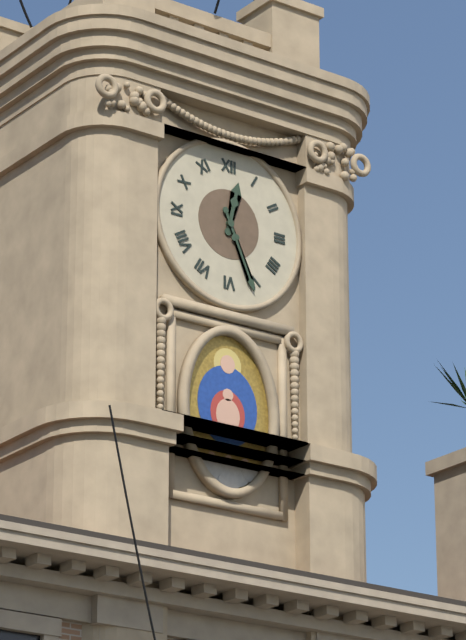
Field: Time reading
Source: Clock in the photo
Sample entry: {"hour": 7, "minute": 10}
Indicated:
{"hour": 12, "minute": 26}
